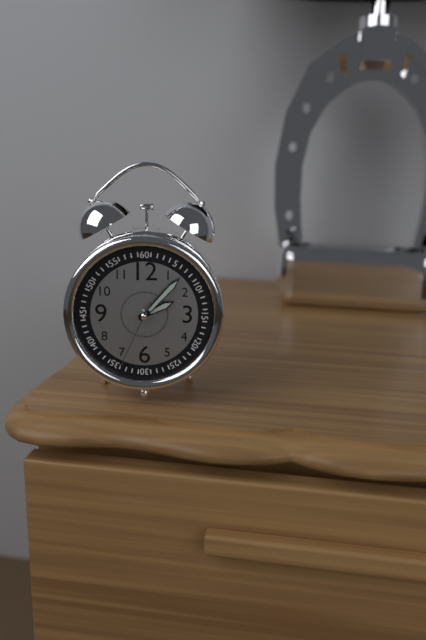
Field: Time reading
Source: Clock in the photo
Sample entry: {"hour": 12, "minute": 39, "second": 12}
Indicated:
{"hour": 2, "minute": 7, "second": 34}
